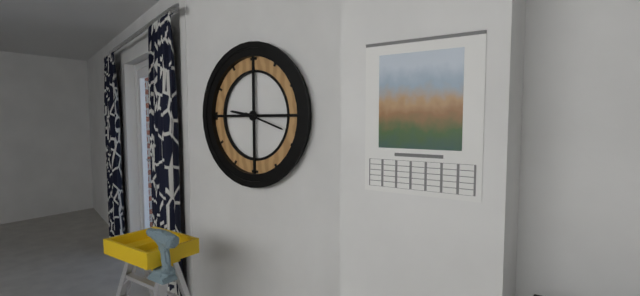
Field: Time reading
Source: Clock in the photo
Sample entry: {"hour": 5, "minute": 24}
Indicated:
{"hour": 9, "minute": 18}
